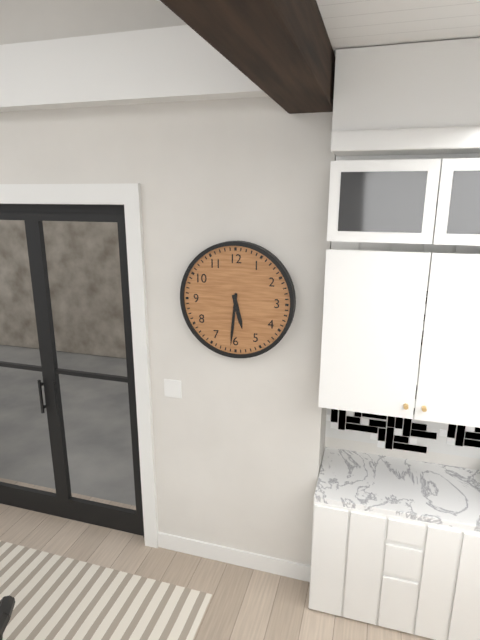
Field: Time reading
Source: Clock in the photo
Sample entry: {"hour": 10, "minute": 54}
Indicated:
{"hour": 5, "minute": 31}
